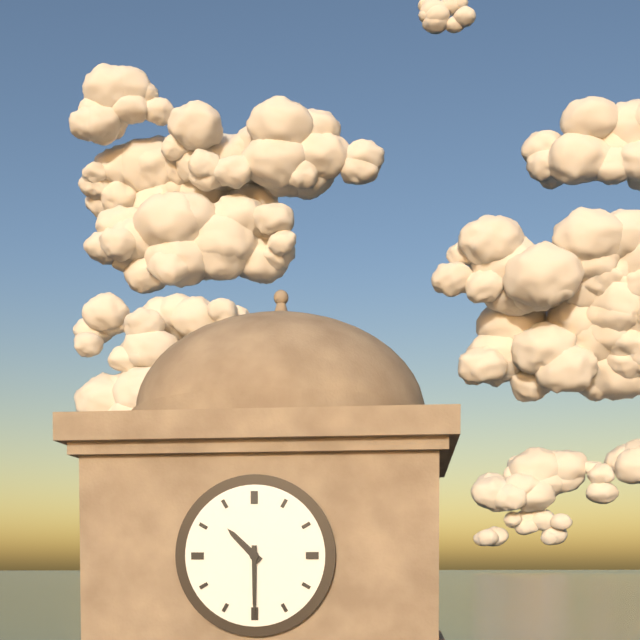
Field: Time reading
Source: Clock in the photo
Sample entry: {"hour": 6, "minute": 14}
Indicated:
{"hour": 10, "minute": 30}
